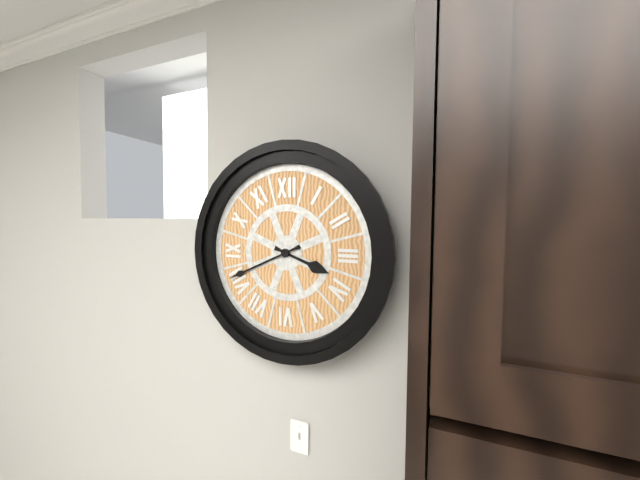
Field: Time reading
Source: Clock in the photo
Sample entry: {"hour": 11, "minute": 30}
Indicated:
{"hour": 3, "minute": 41}
